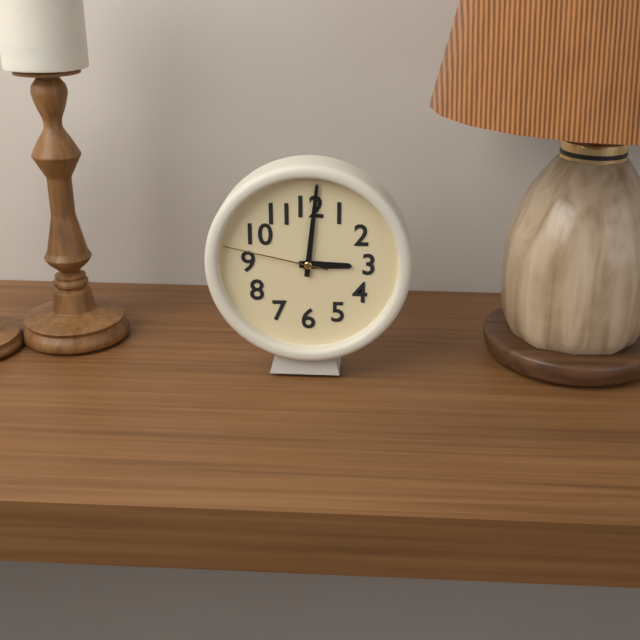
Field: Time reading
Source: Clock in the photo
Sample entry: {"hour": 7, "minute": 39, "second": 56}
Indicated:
{"hour": 3, "minute": 1, "second": 47}
